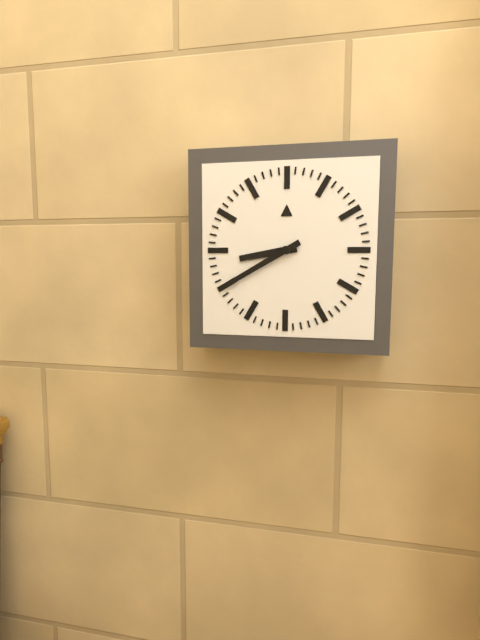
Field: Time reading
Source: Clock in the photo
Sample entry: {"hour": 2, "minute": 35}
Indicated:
{"hour": 8, "minute": 40}
